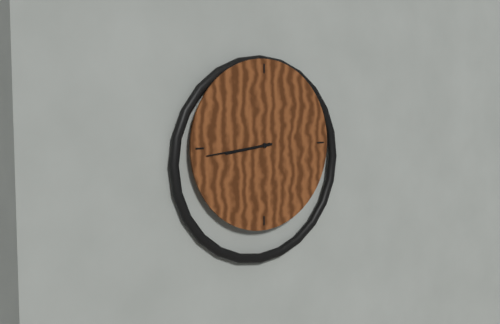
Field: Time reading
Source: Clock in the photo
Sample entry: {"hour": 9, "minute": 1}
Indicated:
{"hour": 8, "minute": 44}
